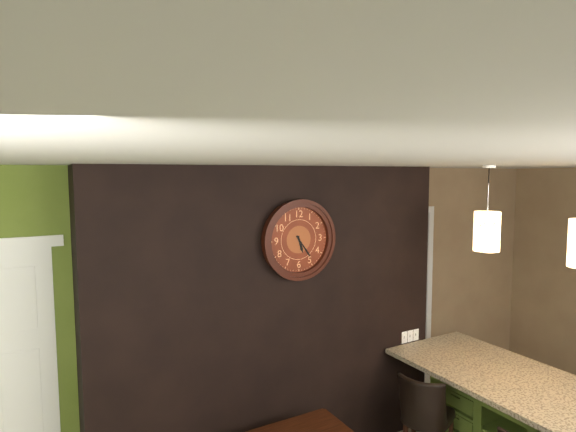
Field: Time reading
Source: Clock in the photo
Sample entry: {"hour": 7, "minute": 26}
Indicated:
{"hour": 5, "minute": 24}
